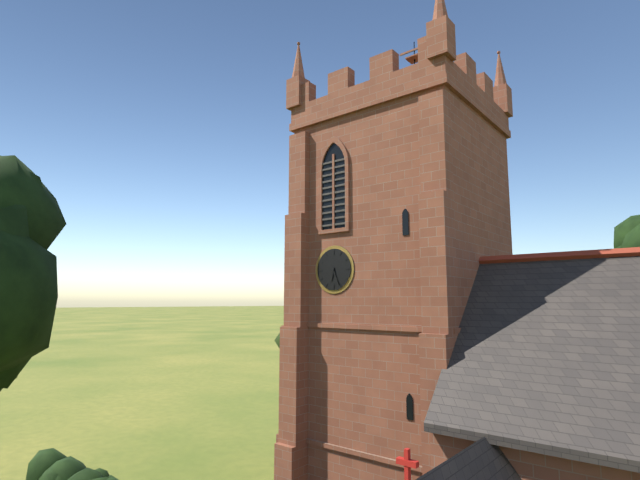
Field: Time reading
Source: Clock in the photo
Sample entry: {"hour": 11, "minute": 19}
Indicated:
{"hour": 6, "minute": 26}
